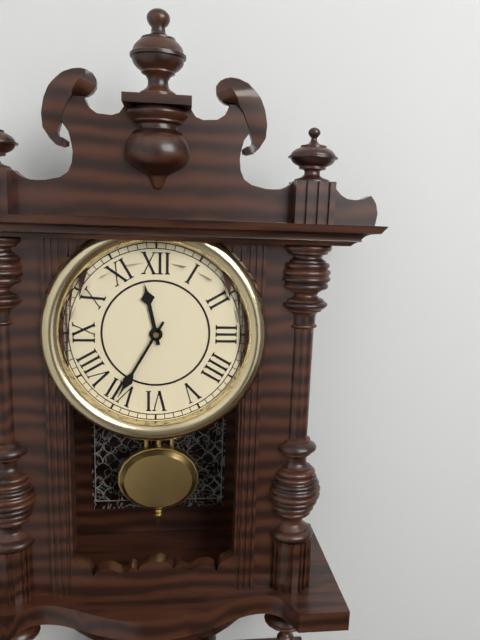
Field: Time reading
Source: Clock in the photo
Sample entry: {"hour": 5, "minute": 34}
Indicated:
{"hour": 11, "minute": 35}
